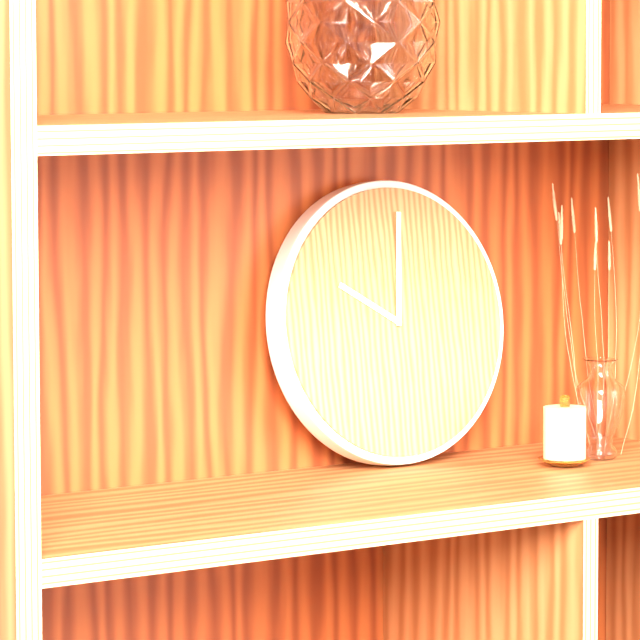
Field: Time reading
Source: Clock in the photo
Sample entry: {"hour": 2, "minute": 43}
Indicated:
{"hour": 10, "minute": 1}
